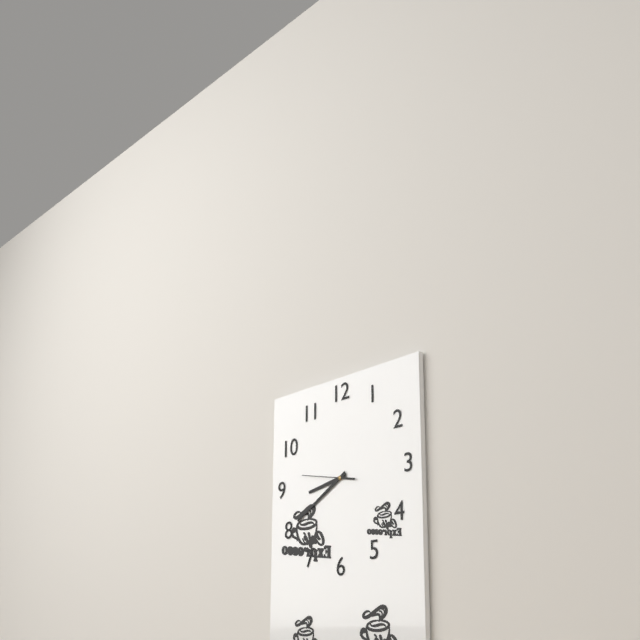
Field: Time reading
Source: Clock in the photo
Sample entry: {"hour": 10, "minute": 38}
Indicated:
{"hour": 8, "minute": 40}
